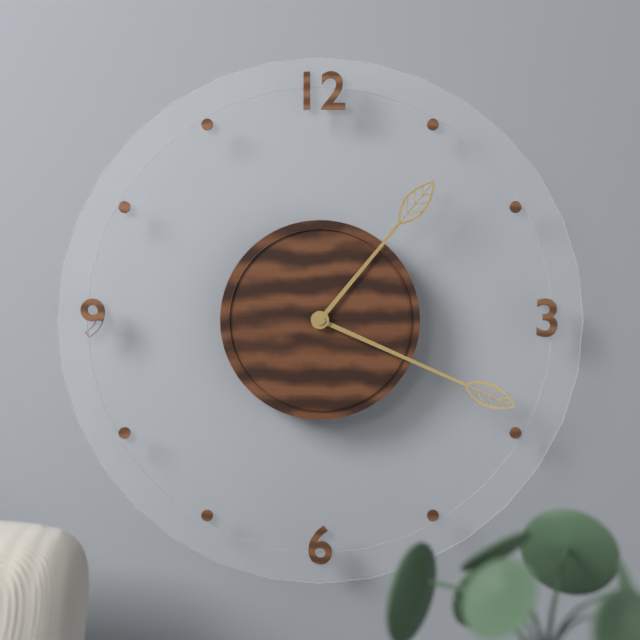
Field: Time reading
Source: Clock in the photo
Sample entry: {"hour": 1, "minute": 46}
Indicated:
{"hour": 1, "minute": 19}
